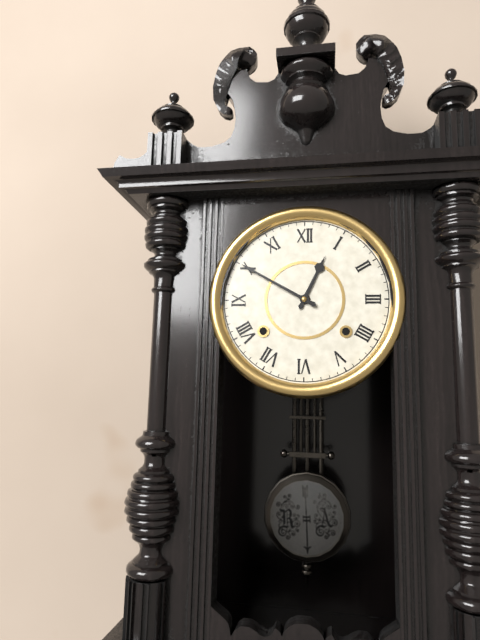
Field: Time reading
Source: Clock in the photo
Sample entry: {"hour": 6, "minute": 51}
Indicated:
{"hour": 12, "minute": 50}
